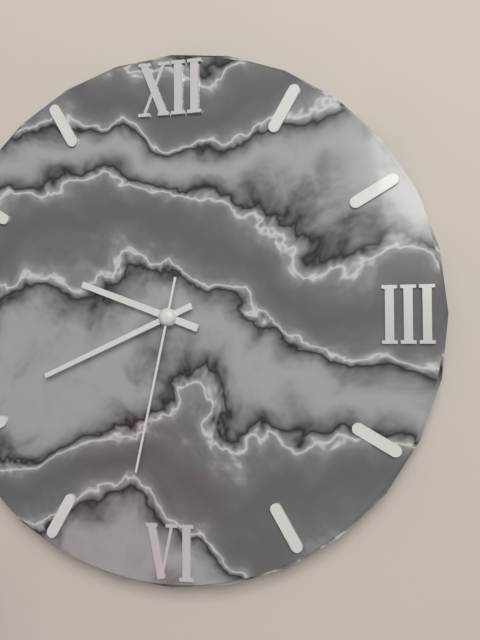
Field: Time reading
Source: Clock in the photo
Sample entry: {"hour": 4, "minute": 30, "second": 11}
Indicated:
{"hour": 9, "minute": 41, "second": 32}
